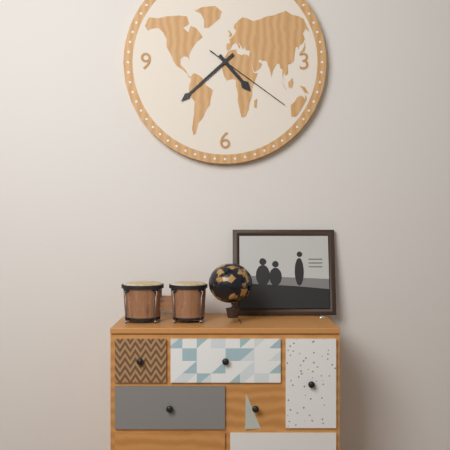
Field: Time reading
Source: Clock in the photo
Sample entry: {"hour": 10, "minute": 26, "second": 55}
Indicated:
{"hour": 4, "minute": 38, "second": 21}
